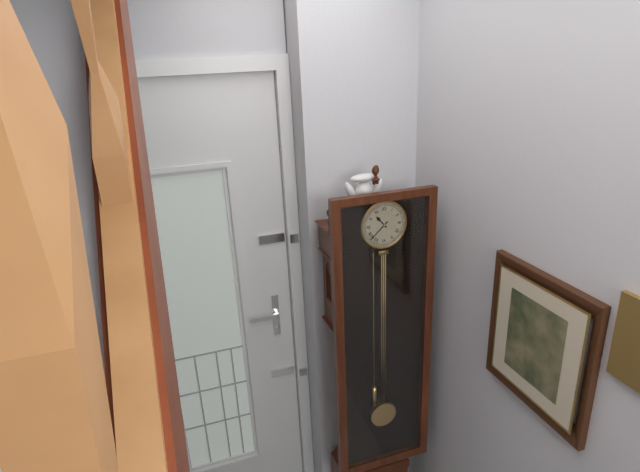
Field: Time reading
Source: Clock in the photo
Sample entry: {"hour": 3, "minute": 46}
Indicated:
{"hour": 10, "minute": 38}
